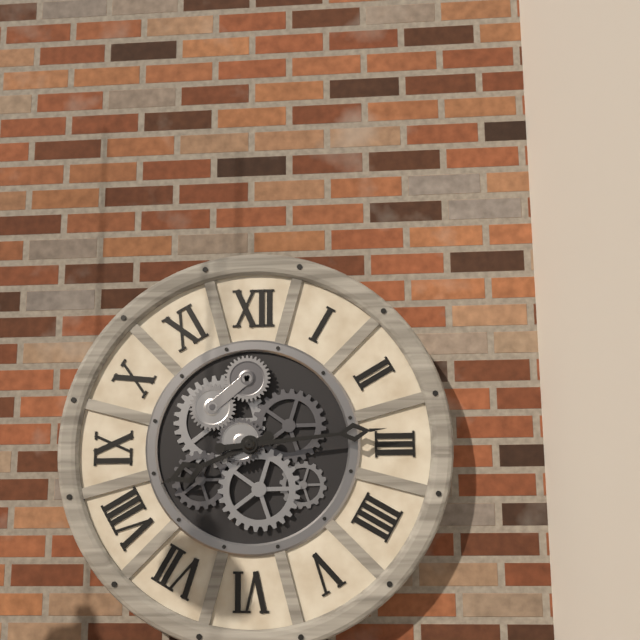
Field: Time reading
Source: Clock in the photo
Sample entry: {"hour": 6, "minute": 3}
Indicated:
{"hour": 8, "minute": 14}
